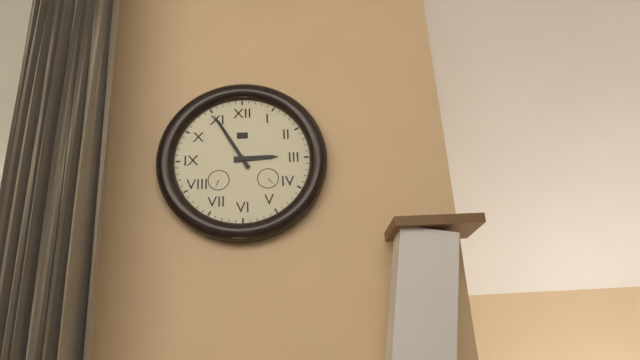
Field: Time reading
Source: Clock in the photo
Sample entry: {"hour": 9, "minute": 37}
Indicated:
{"hour": 2, "minute": 55}
